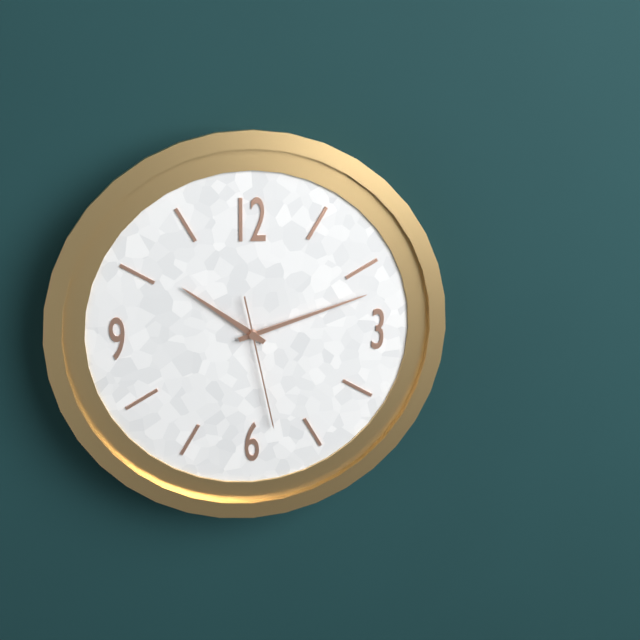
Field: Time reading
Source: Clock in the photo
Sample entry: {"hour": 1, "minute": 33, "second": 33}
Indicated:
{"hour": 10, "minute": 12, "second": 28}
